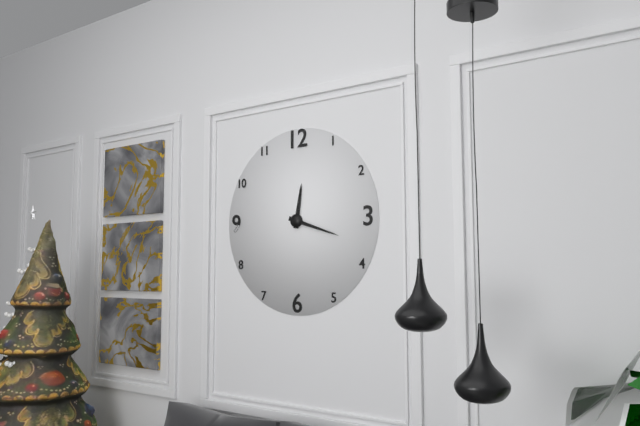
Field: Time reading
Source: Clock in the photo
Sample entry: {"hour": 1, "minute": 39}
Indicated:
{"hour": 12, "minute": 18}
